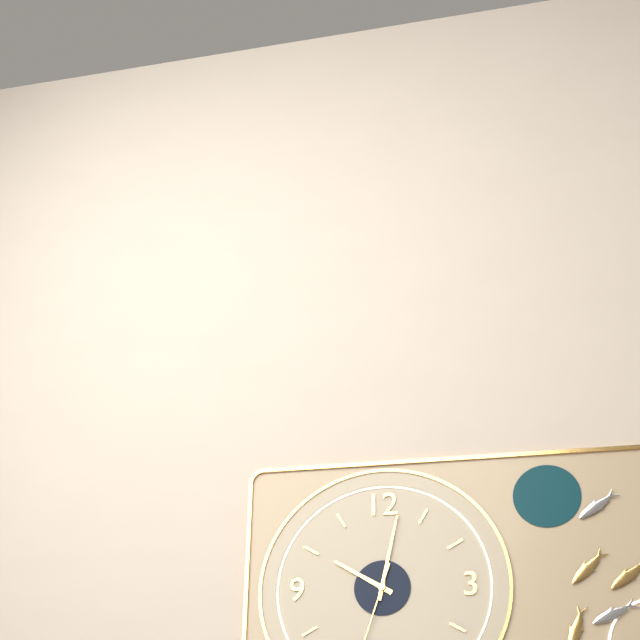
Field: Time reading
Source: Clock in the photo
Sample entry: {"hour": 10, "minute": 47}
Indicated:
{"hour": 10, "minute": 2}
